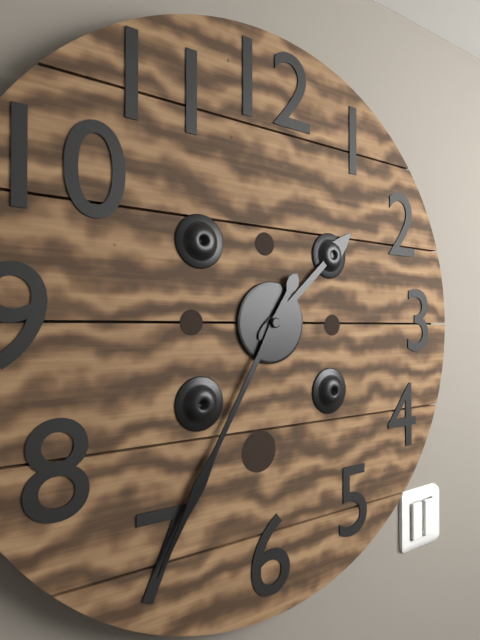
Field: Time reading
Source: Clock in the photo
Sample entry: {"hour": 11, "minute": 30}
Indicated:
{"hour": 1, "minute": 35}
